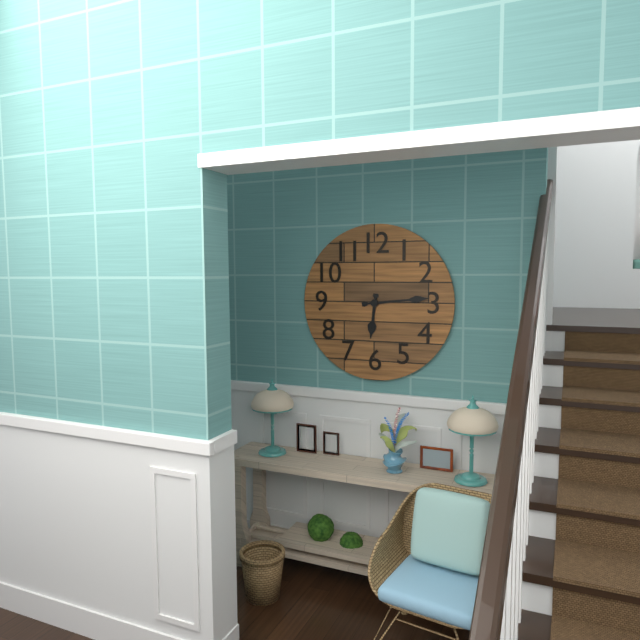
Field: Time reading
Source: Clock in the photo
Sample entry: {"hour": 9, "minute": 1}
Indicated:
{"hour": 6, "minute": 14}
